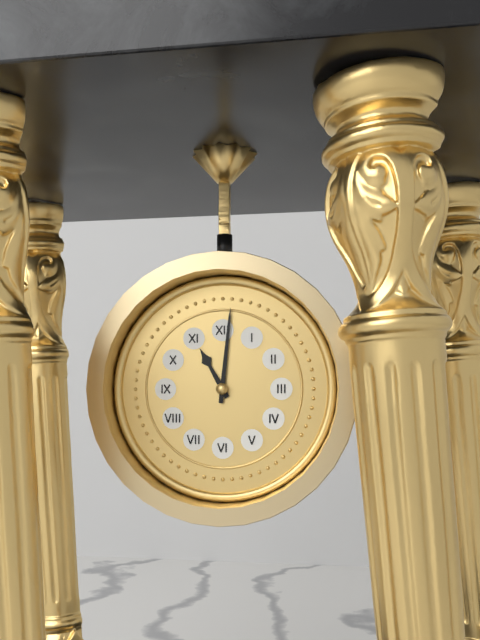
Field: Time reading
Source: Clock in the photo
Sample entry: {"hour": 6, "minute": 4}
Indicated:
{"hour": 11, "minute": 1}
